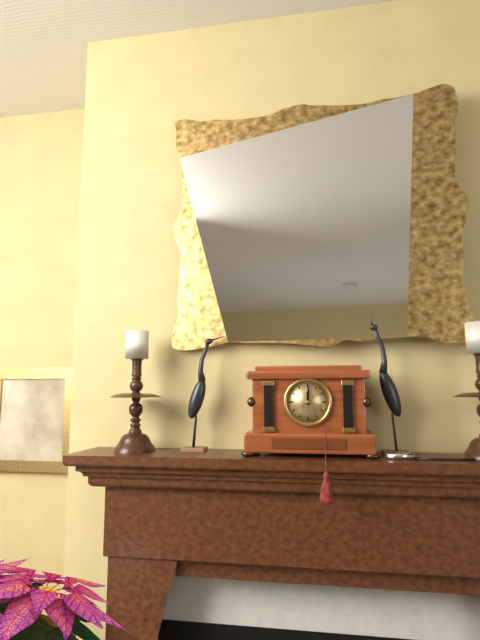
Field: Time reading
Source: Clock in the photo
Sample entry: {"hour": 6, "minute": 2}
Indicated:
{"hour": 12, "minute": 1}
